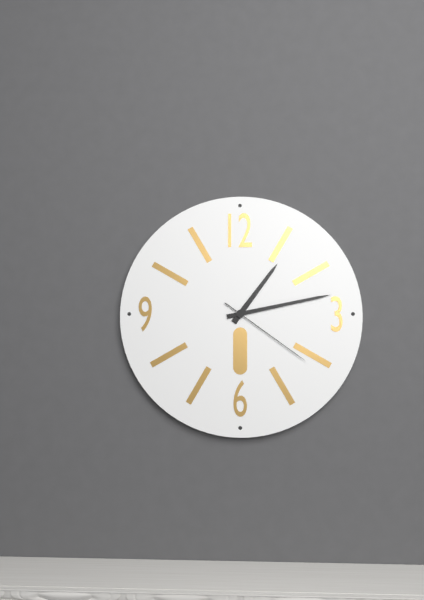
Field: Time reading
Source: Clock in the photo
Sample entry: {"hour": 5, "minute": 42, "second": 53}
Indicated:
{"hour": 1, "minute": 13, "second": 21}
